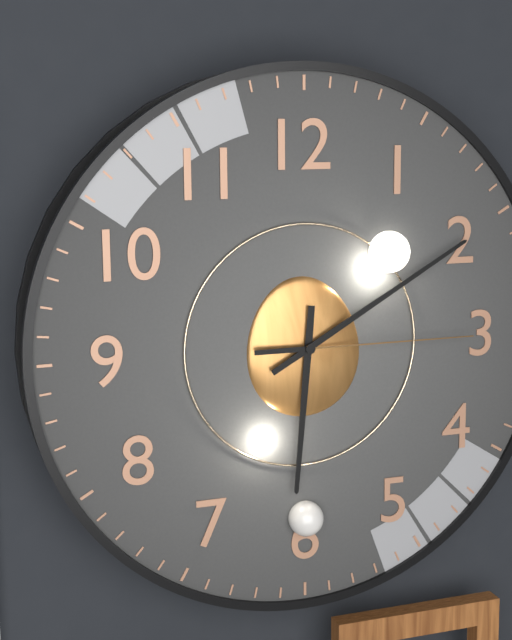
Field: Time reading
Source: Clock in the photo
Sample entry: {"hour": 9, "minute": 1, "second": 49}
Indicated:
{"hour": 6, "minute": 10, "second": 15}
